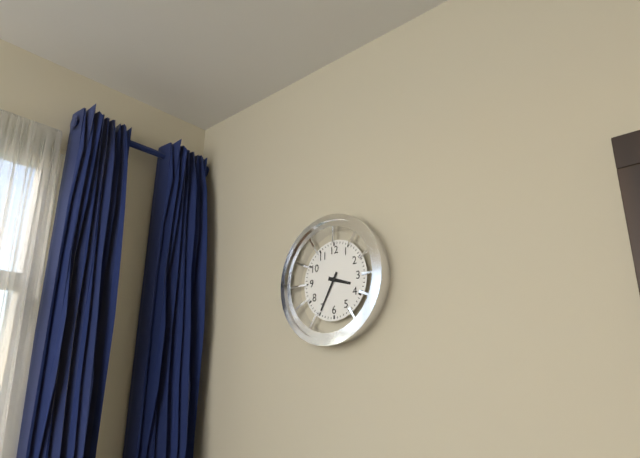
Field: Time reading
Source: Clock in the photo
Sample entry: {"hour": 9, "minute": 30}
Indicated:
{"hour": 3, "minute": 35}
